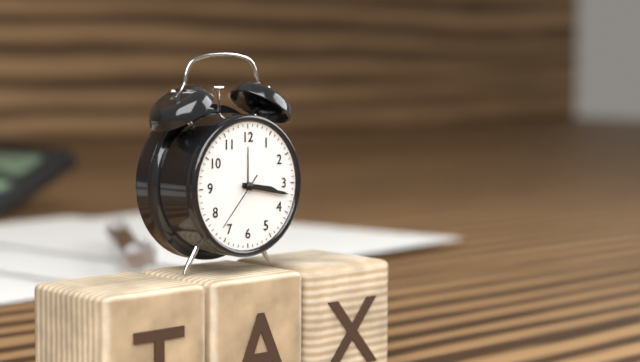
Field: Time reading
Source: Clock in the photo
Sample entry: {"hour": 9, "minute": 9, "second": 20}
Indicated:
{"hour": 3, "minute": 17, "second": 37}
